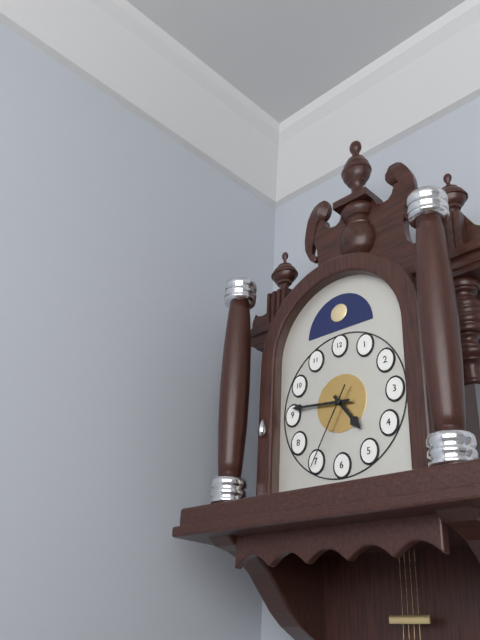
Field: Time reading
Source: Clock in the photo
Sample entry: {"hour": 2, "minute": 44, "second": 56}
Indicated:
{"hour": 4, "minute": 46, "second": 35}
